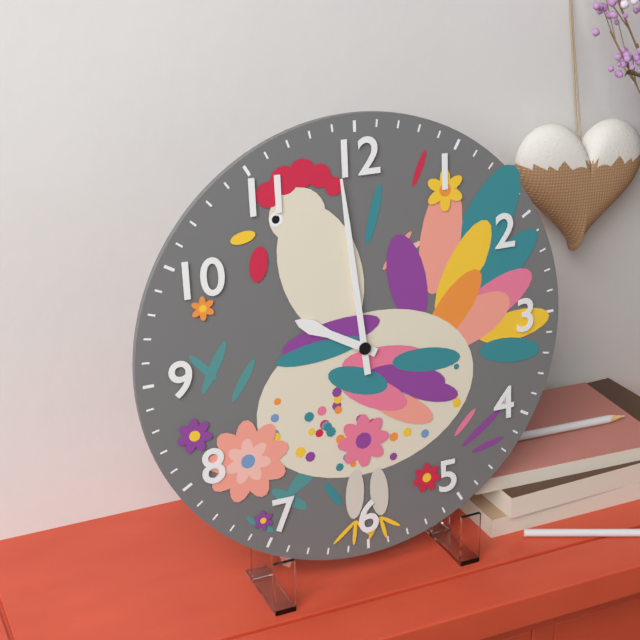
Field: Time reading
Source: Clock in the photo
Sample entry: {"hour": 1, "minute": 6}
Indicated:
{"hour": 9, "minute": 59}
